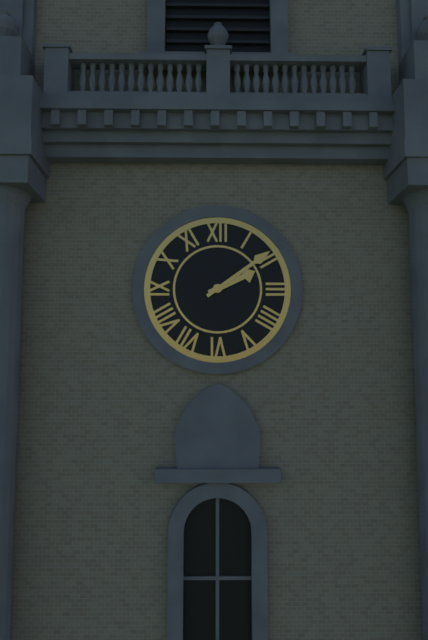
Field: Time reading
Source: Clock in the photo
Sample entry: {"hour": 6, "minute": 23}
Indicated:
{"hour": 2, "minute": 9}
